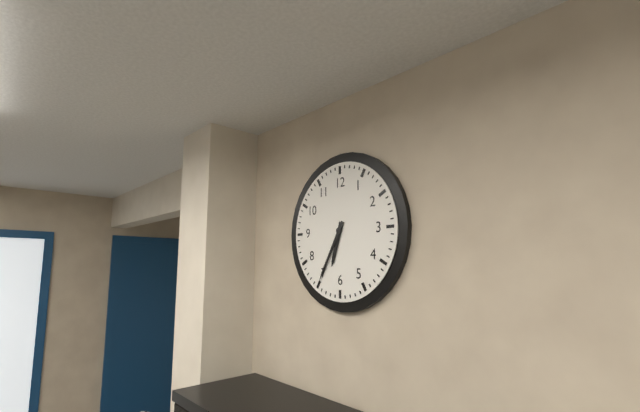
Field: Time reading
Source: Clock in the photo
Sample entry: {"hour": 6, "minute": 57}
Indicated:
{"hour": 6, "minute": 35}
